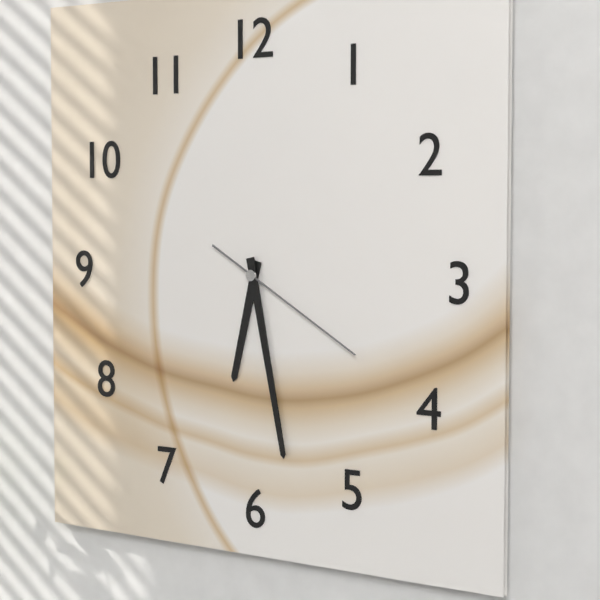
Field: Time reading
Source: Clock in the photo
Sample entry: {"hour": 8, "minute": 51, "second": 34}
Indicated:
{"hour": 6, "minute": 28, "second": 20}
